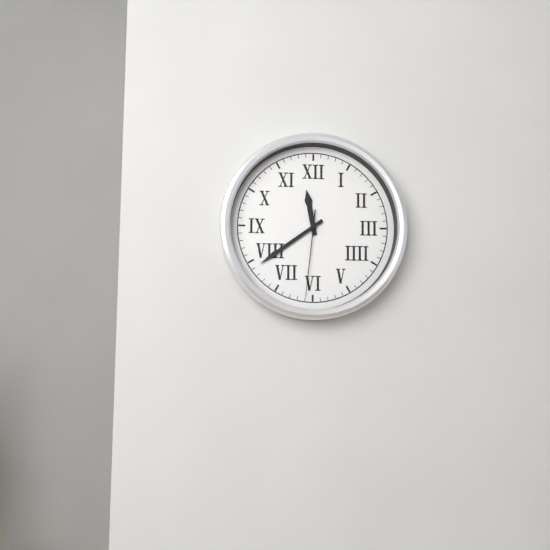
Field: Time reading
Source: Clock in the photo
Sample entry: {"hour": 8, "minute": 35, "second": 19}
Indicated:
{"hour": 11, "minute": 39, "second": 31}
